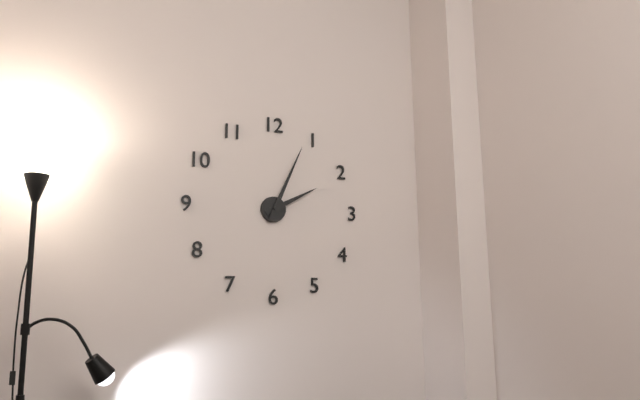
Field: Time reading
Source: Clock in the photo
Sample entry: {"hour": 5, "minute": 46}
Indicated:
{"hour": 2, "minute": 4}
